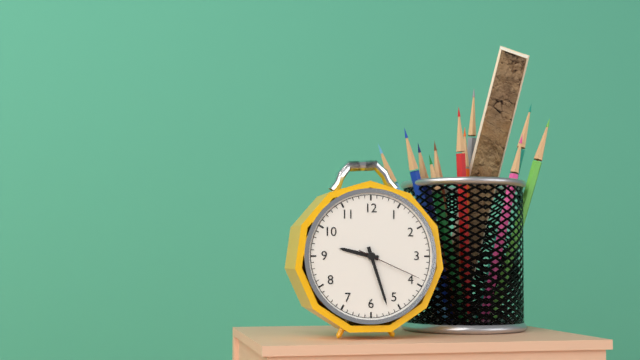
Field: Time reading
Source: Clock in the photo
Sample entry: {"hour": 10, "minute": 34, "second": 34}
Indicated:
{"hour": 9, "minute": 27, "second": 19}
